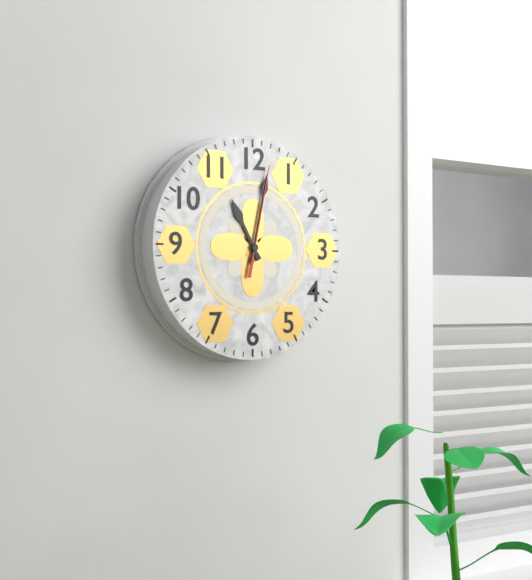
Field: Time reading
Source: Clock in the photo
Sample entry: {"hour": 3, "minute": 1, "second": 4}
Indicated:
{"hour": 11, "minute": 2, "second": 2}
